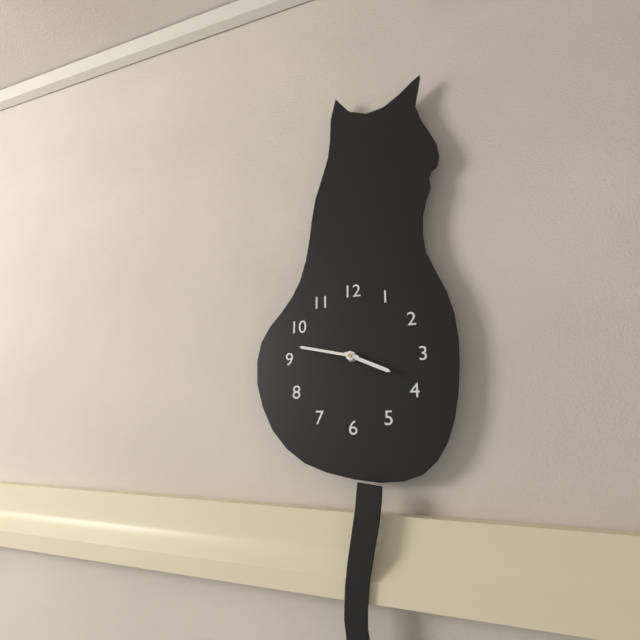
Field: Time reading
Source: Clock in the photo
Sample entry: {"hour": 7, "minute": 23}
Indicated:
{"hour": 3, "minute": 47}
